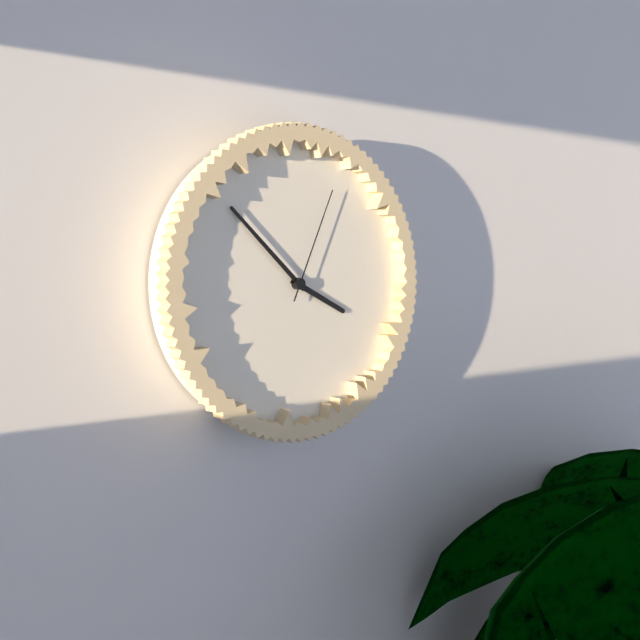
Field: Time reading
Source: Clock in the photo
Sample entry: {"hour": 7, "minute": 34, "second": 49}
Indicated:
{"hour": 3, "minute": 52, "second": 4}
